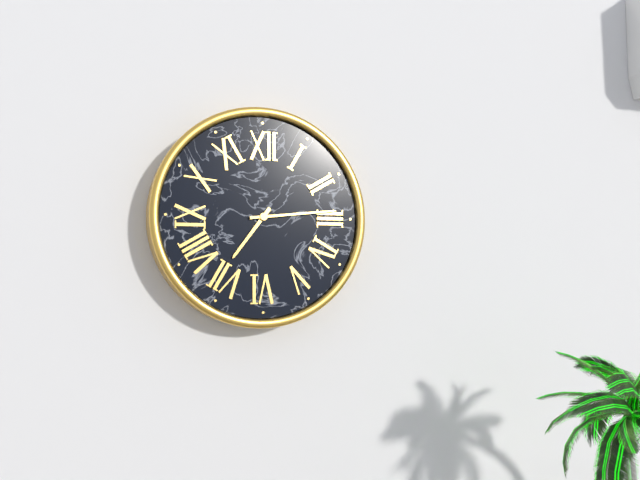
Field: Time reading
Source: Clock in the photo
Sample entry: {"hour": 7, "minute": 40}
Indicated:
{"hour": 7, "minute": 14}
